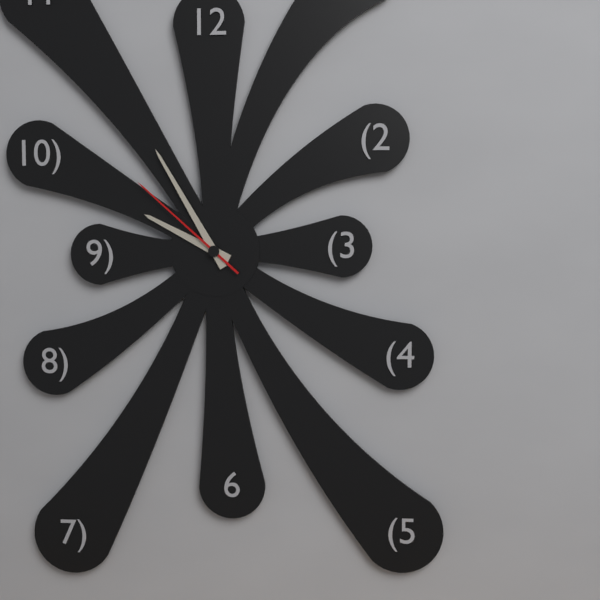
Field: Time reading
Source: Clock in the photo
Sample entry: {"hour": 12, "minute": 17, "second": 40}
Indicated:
{"hour": 9, "minute": 55, "second": 52}
